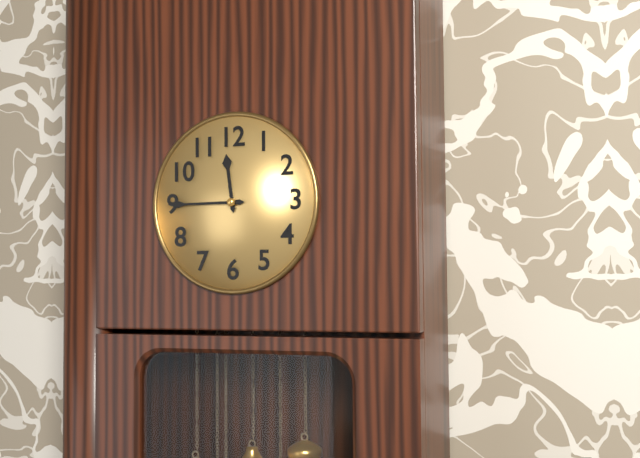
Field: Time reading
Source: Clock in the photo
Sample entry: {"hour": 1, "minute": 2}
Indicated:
{"hour": 11, "minute": 45}
